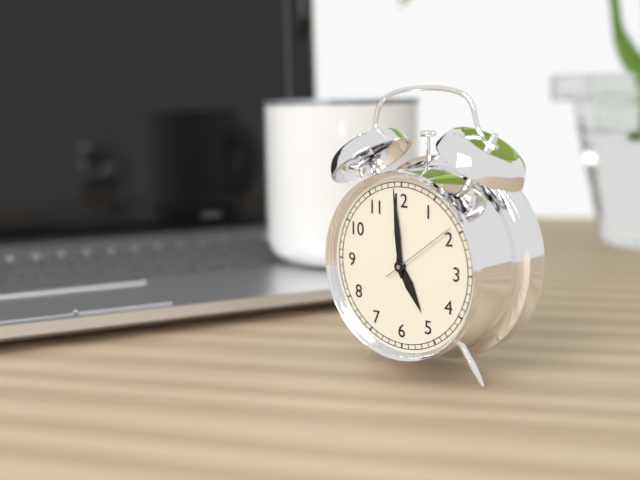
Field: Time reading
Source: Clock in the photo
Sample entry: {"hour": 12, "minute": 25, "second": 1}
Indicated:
{"hour": 4, "minute": 59, "second": 9}
